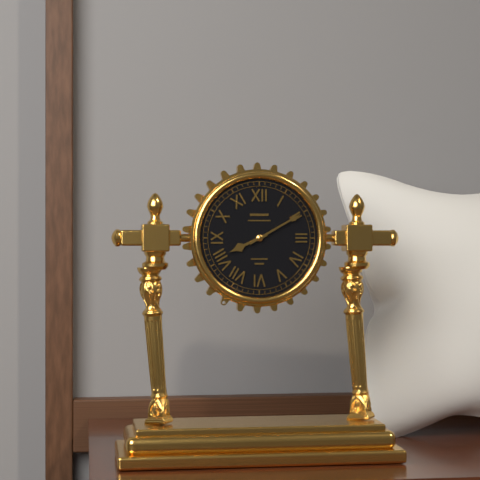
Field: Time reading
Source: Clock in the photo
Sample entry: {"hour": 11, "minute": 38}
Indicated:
{"hour": 8, "minute": 10}
